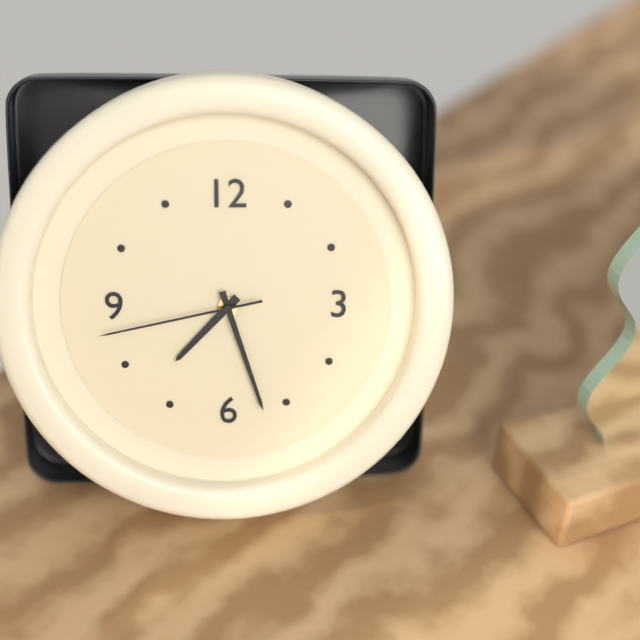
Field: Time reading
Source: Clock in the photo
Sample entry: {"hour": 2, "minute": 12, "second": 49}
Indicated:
{"hour": 7, "minute": 27, "second": 43}
